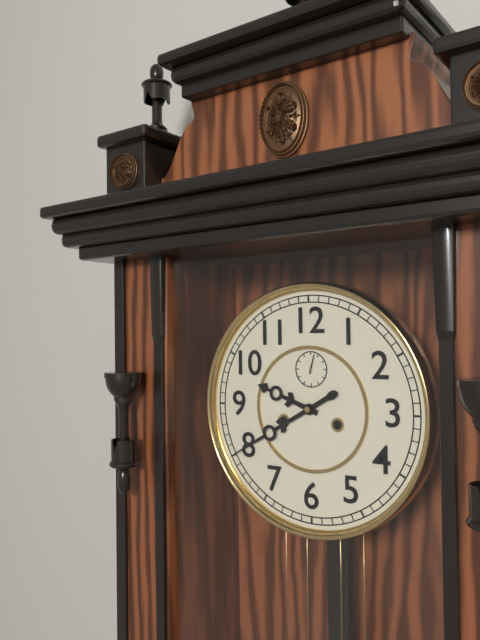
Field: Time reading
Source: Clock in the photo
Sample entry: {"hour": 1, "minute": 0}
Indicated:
{"hour": 9, "minute": 40}
